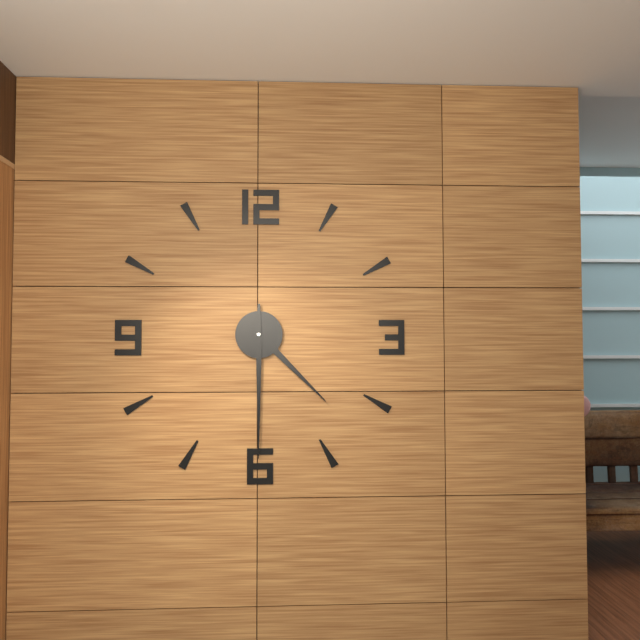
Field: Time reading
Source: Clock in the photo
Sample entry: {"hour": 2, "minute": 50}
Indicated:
{"hour": 4, "minute": 30}
